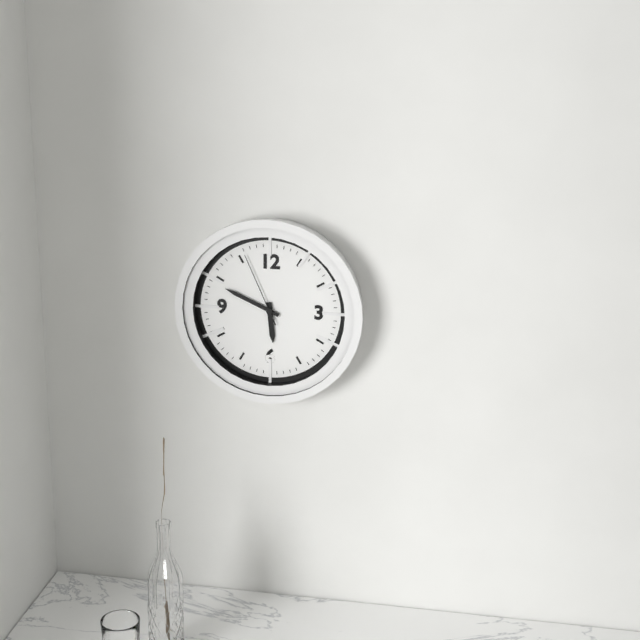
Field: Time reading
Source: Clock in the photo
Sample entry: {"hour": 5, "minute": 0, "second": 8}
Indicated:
{"hour": 5, "minute": 49, "second": 56}
